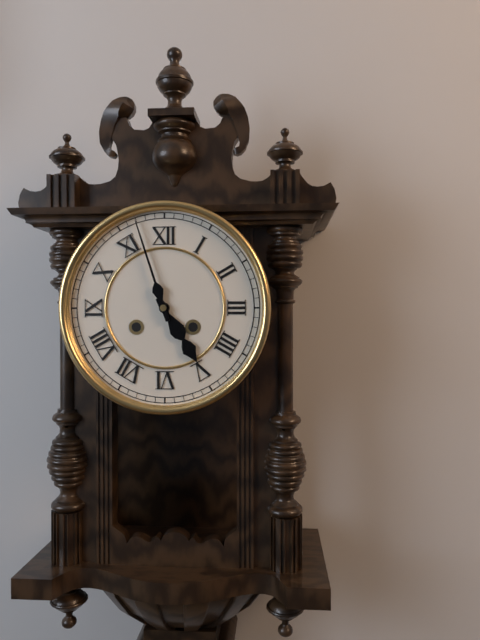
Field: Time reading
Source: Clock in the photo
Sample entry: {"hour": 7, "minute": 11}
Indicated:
{"hour": 4, "minute": 57}
